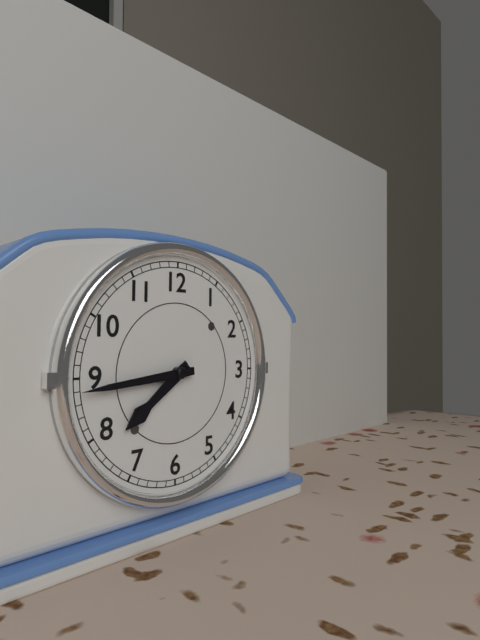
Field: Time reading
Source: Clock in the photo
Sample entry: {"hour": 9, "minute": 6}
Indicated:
{"hour": 7, "minute": 44}
